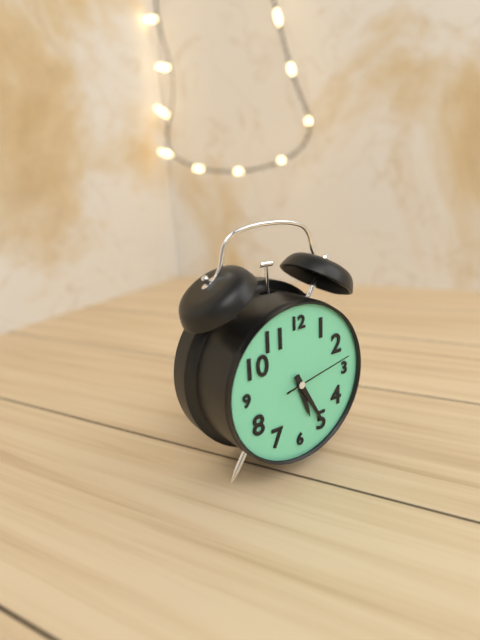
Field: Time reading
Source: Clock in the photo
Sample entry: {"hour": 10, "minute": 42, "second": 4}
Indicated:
{"hour": 5, "minute": 25, "second": 13}
